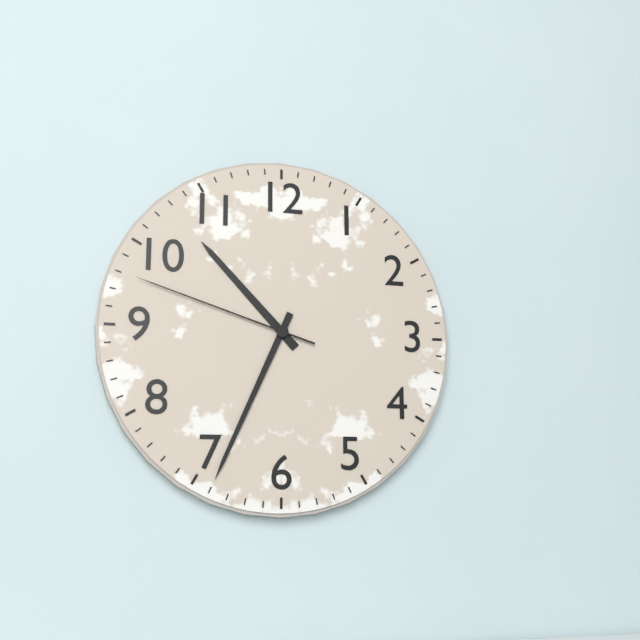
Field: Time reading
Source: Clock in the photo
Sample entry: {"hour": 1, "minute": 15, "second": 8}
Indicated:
{"hour": 10, "minute": 34, "second": 48}
